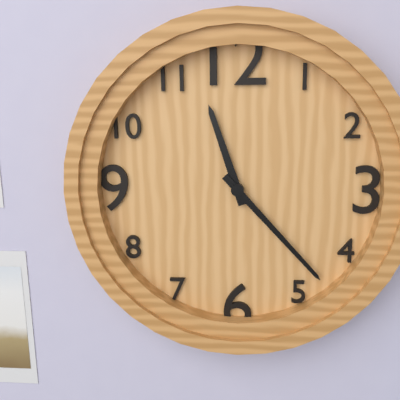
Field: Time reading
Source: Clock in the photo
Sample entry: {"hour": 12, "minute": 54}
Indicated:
{"hour": 11, "minute": 23}
